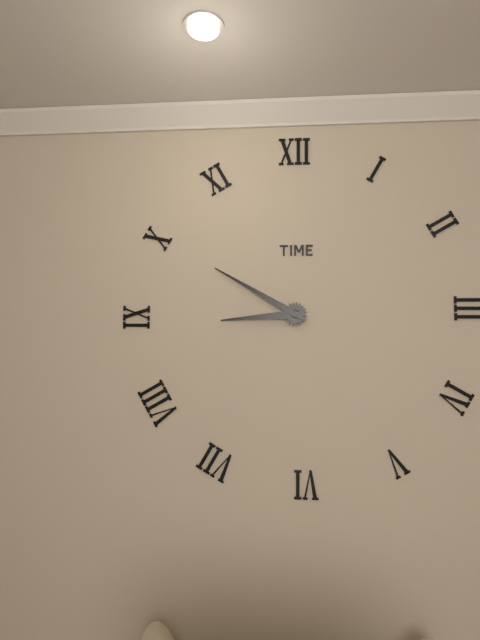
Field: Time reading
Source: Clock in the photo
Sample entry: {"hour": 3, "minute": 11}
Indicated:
{"hour": 8, "minute": 50}
